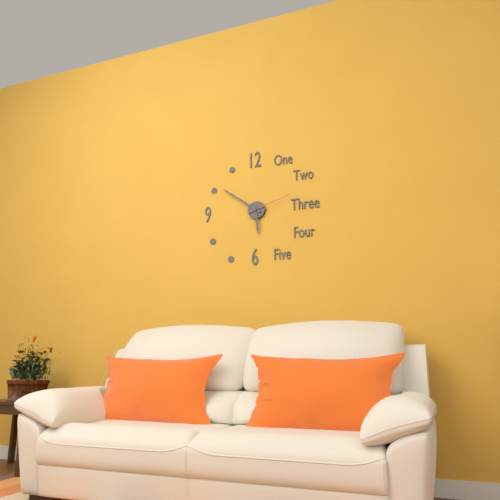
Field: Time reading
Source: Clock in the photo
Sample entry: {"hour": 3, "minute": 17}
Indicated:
{"hour": 5, "minute": 51}
